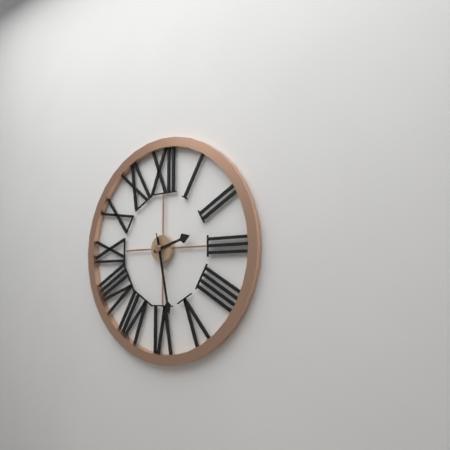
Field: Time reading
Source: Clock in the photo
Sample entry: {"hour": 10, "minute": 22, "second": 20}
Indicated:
{"hour": 2, "minute": 28, "second": 28}
